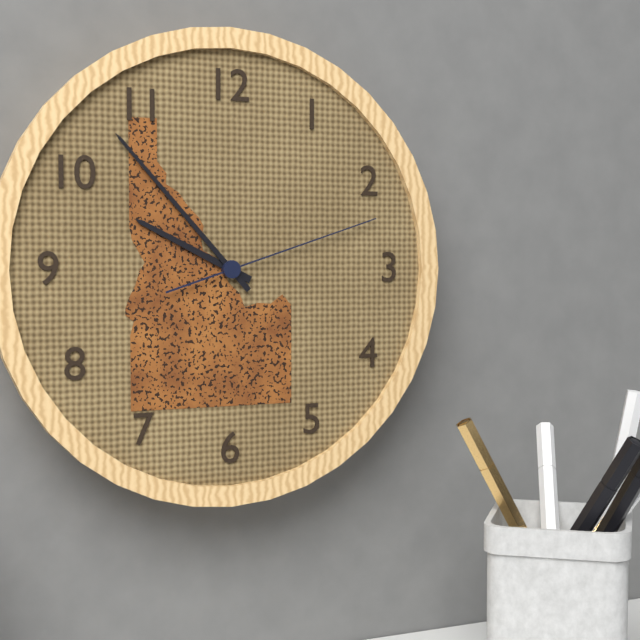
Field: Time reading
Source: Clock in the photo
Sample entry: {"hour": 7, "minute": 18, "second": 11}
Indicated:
{"hour": 9, "minute": 53, "second": 12}
